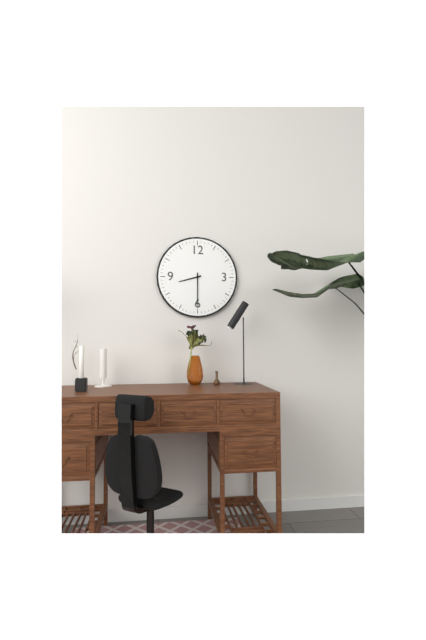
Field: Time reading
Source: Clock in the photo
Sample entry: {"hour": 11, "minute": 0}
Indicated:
{"hour": 8, "minute": 30}
